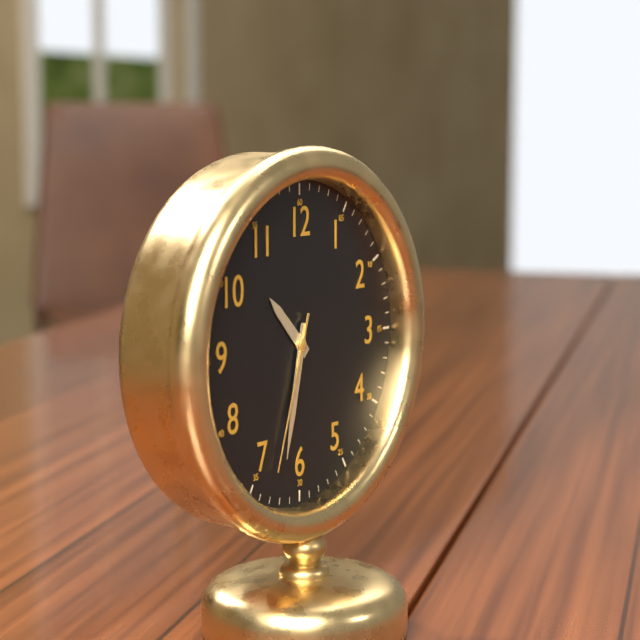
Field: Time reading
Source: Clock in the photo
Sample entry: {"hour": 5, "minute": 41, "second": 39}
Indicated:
{"hour": 10, "minute": 32, "second": 33}
